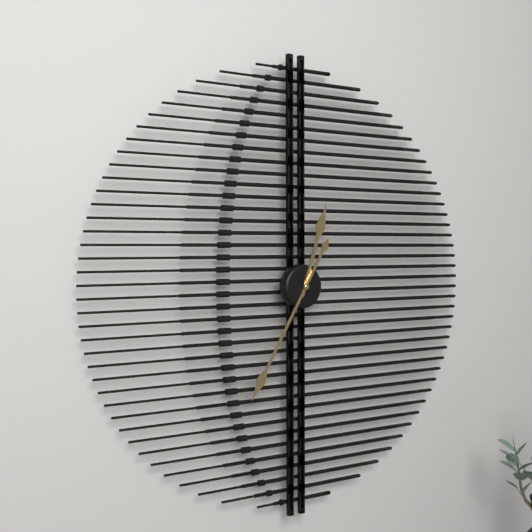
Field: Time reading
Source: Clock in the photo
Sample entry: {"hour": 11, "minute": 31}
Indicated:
{"hour": 12, "minute": 35}
